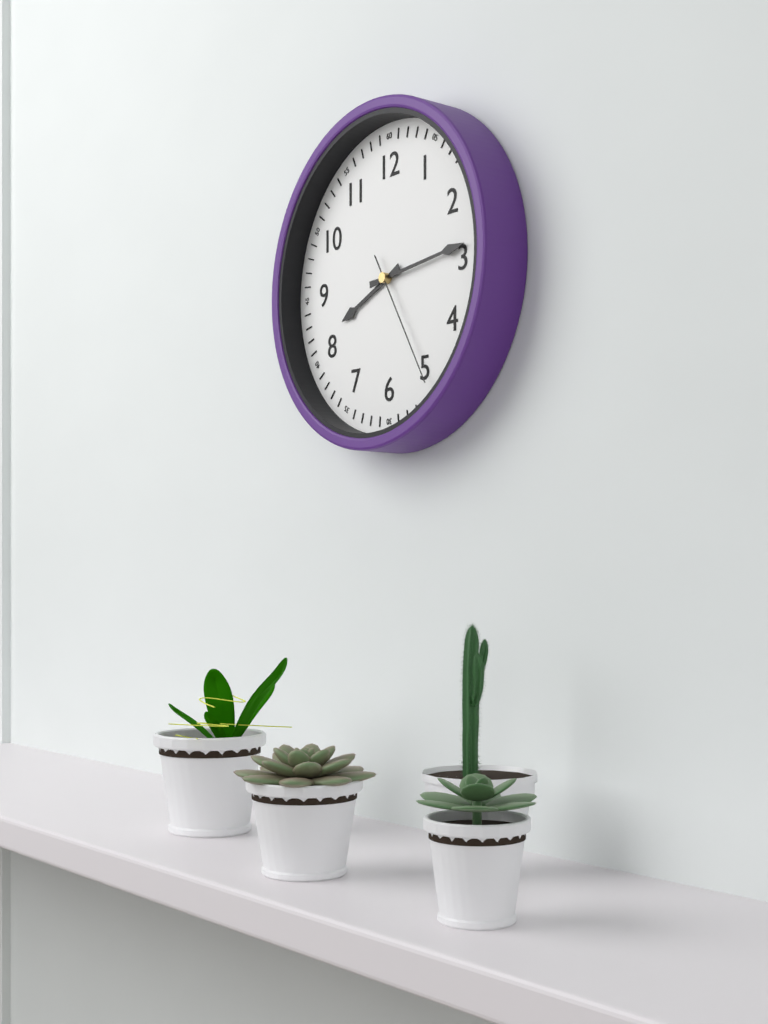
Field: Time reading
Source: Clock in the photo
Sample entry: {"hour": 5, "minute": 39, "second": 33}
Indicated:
{"hour": 8, "minute": 14, "second": 25}
